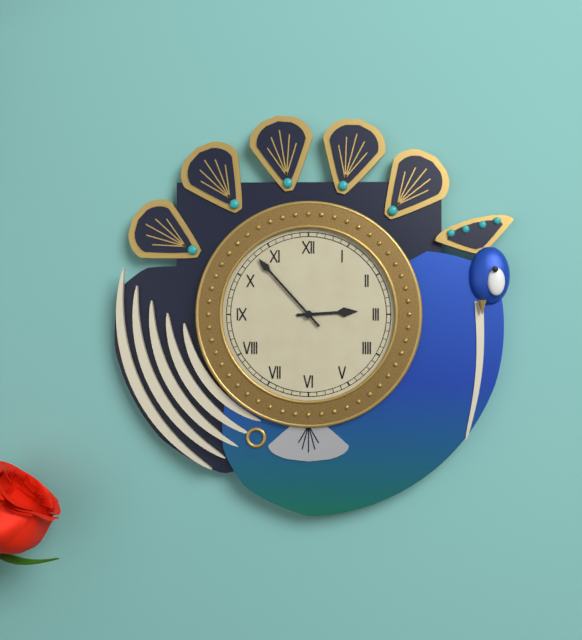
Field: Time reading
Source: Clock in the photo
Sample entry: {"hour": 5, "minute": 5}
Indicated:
{"hour": 2, "minute": 53}
